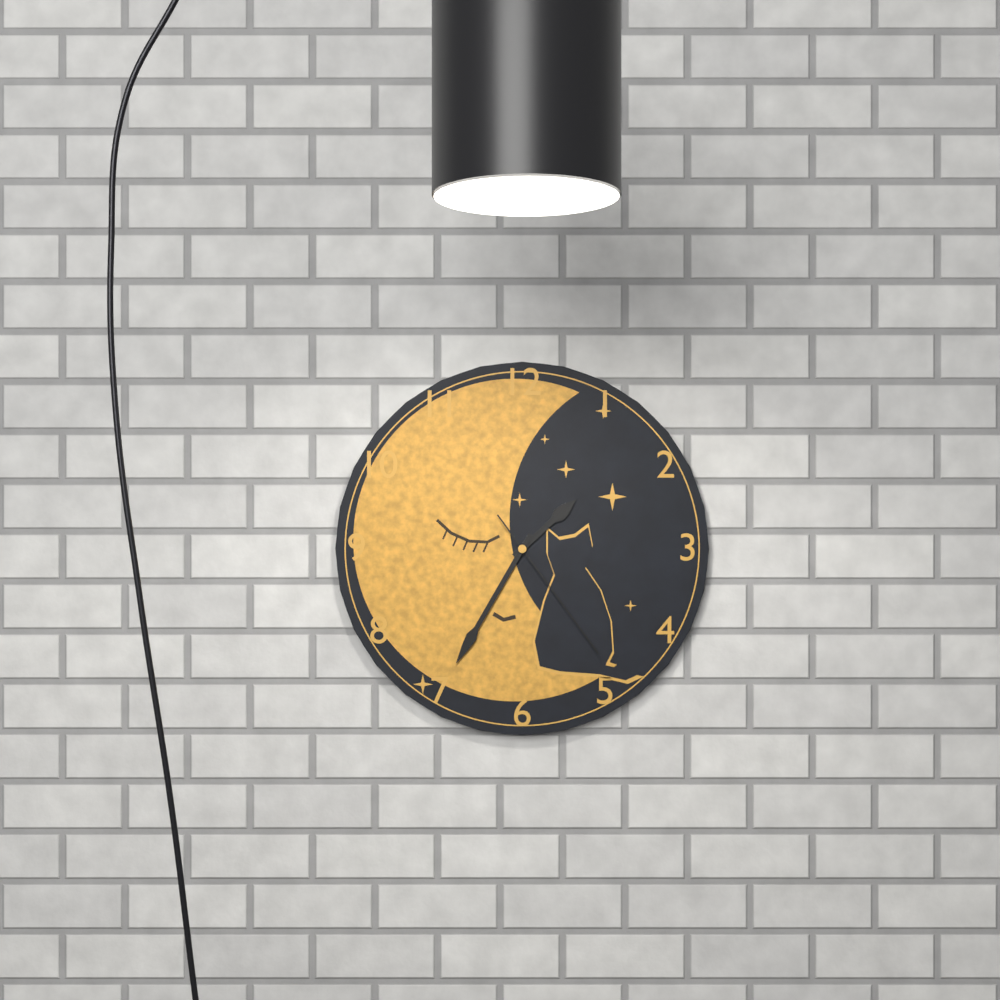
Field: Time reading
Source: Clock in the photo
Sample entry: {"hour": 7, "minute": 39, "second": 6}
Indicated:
{"hour": 1, "minute": 35, "second": 24}
